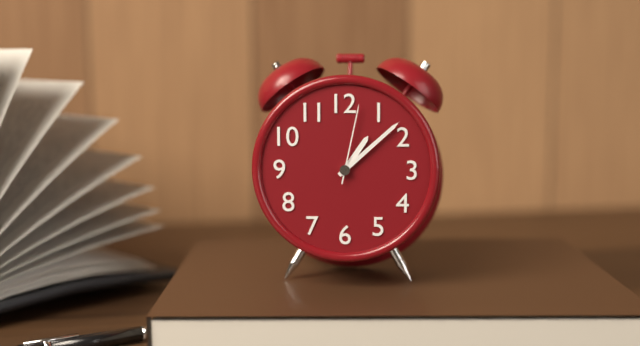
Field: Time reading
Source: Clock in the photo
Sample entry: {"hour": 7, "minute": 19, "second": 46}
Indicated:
{"hour": 1, "minute": 8, "second": 2}
